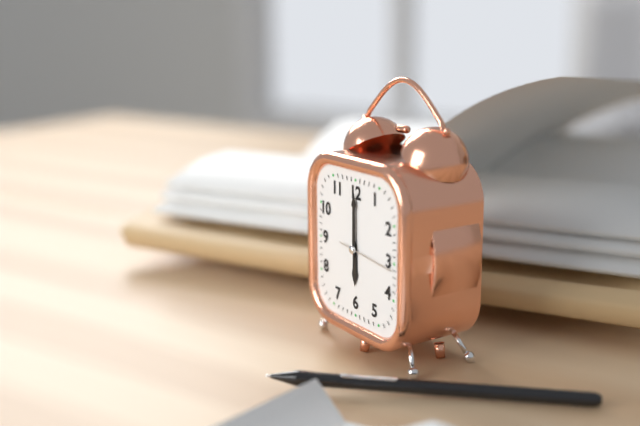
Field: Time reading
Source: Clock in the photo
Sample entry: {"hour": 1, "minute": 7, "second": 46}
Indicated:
{"hour": 6, "minute": 0, "second": 16}
